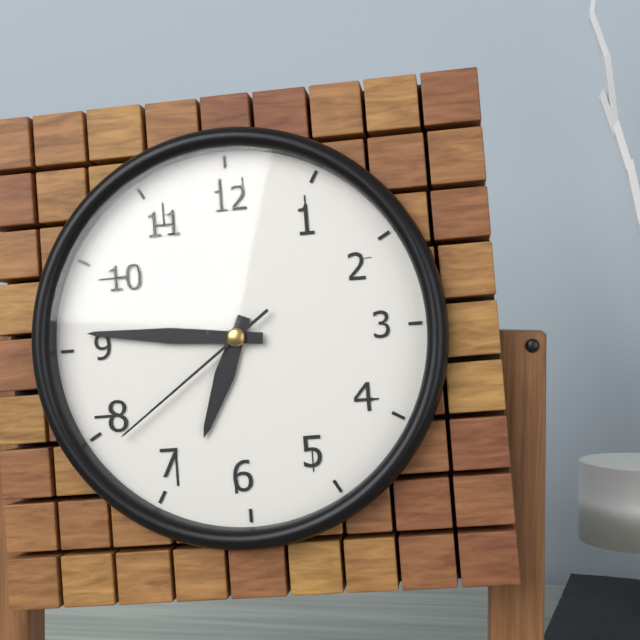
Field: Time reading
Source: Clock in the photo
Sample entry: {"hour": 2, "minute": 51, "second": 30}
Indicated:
{"hour": 6, "minute": 46, "second": 39}
